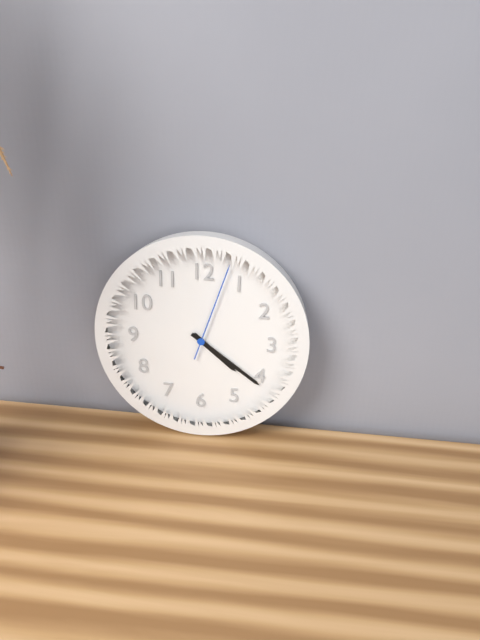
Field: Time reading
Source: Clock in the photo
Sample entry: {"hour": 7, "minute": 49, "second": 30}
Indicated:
{"hour": 4, "minute": 21, "second": 3}
